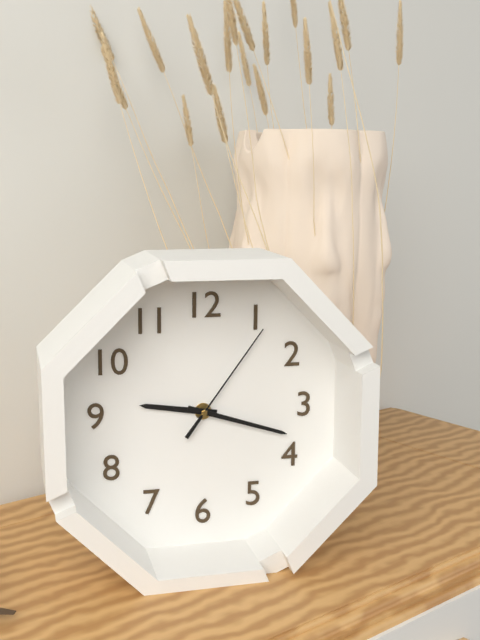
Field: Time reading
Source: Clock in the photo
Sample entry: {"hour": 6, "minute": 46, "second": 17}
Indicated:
{"hour": 9, "minute": 18, "second": 6}
